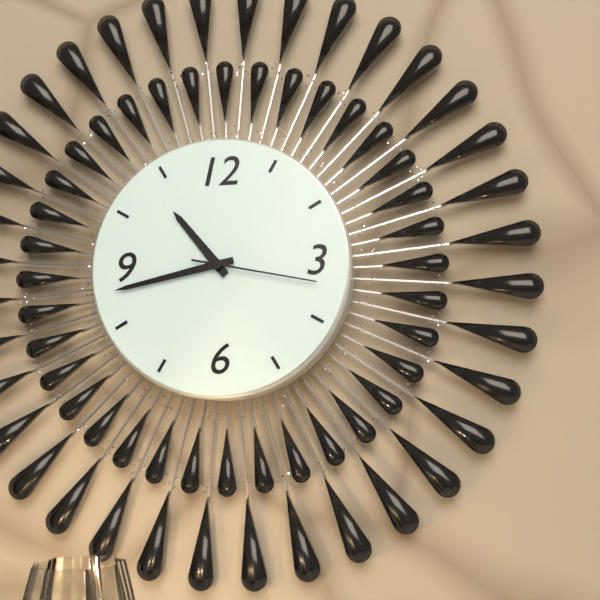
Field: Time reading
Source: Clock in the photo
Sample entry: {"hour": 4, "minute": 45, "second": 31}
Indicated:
{"hour": 10, "minute": 43, "second": 17}
